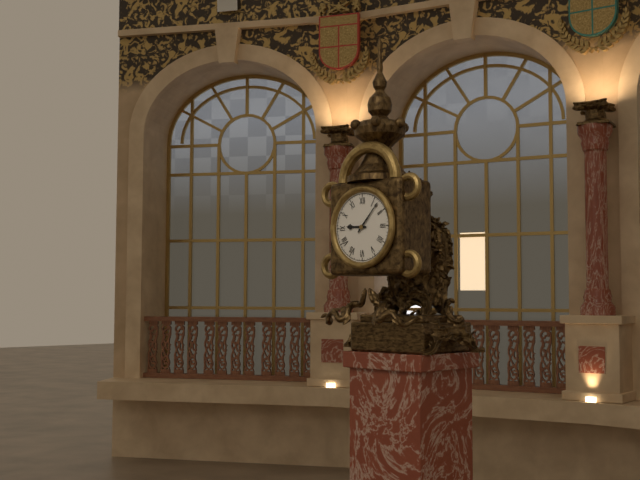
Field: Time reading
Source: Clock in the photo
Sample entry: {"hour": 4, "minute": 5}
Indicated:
{"hour": 9, "minute": 7}
